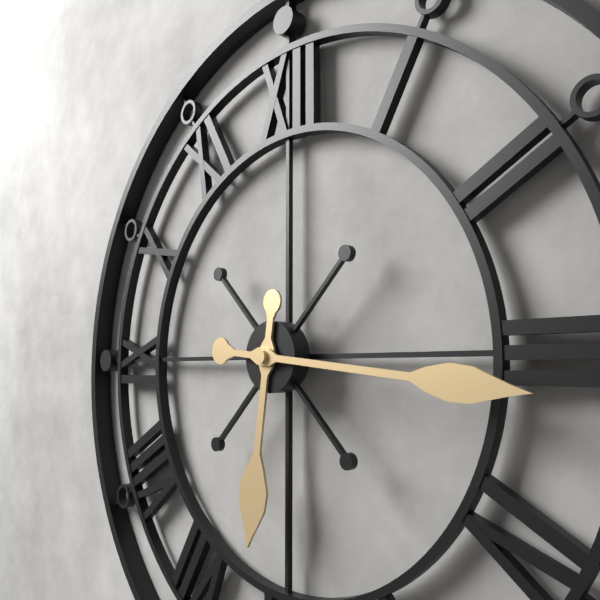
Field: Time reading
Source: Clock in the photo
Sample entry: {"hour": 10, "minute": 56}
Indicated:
{"hour": 6, "minute": 16}
